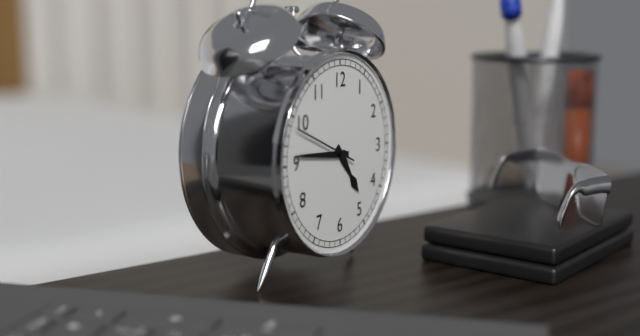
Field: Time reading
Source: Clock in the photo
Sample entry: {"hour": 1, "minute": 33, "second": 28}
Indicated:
{"hour": 4, "minute": 46, "second": 49}
